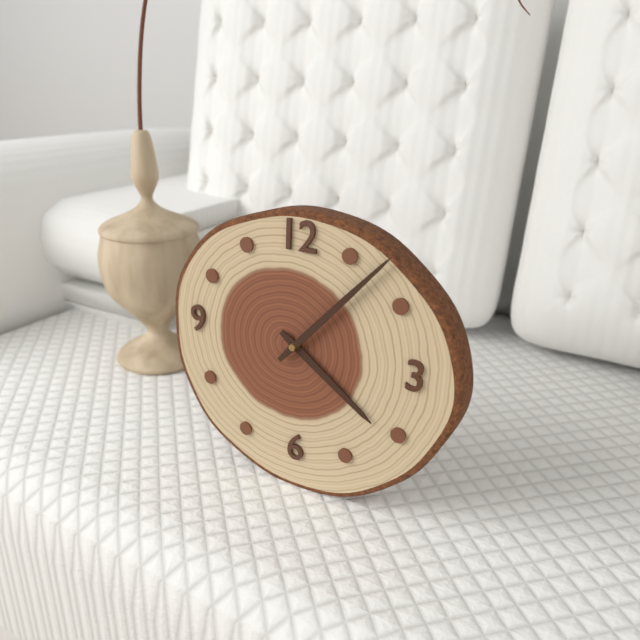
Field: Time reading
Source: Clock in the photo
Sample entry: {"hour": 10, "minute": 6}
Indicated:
{"hour": 4, "minute": 7}
